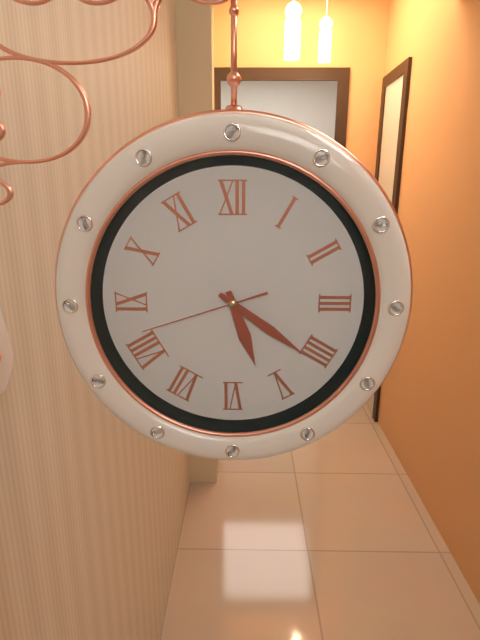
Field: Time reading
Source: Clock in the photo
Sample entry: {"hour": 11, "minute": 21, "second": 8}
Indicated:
{"hour": 5, "minute": 21, "second": 42}
